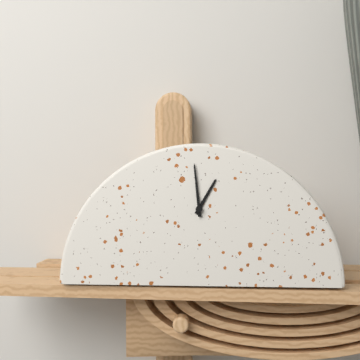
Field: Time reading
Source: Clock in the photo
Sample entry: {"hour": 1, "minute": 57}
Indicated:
{"hour": 12, "minute": 59}
